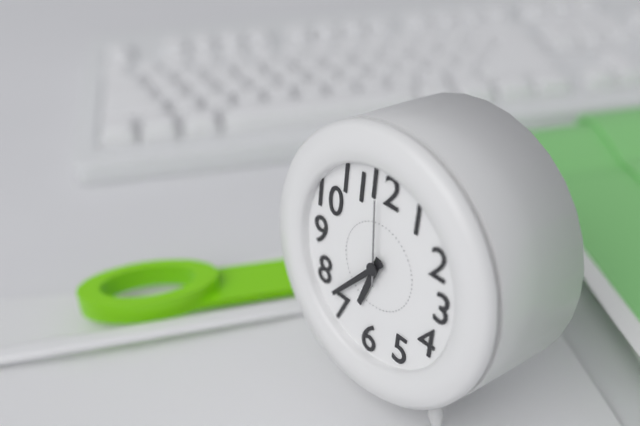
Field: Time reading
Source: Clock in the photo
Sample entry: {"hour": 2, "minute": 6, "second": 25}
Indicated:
{"hour": 6, "minute": 37, "second": 59}
